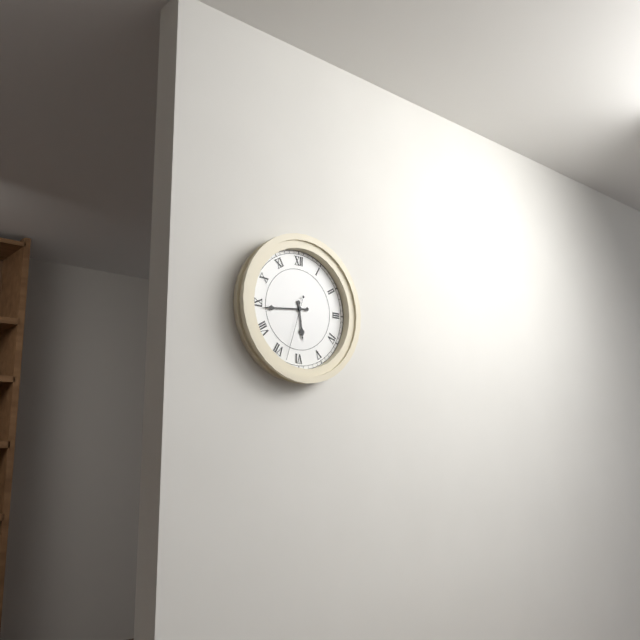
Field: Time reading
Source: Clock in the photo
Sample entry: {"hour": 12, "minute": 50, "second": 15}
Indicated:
{"hour": 5, "minute": 44, "second": 33}
